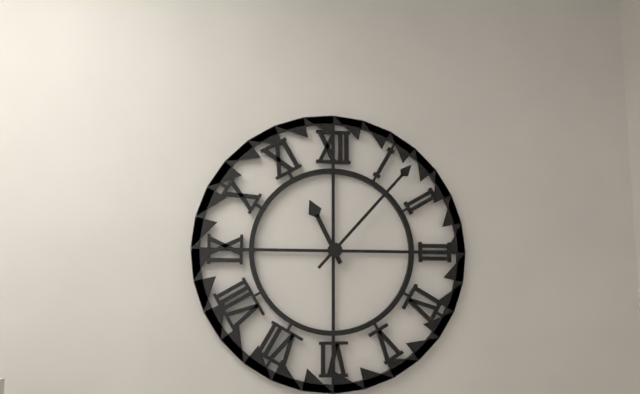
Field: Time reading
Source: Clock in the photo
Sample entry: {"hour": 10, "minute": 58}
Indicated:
{"hour": 11, "minute": 7}
